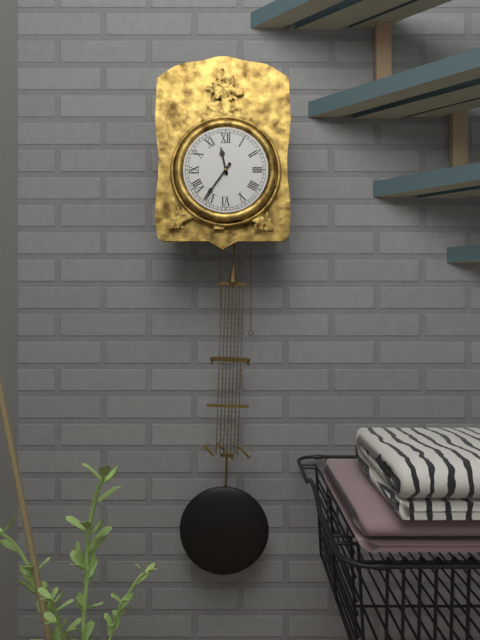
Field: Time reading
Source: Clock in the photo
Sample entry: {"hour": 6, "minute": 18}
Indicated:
{"hour": 11, "minute": 36}
